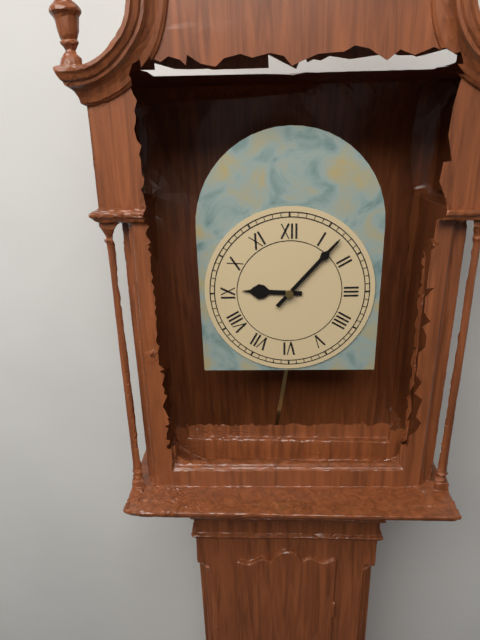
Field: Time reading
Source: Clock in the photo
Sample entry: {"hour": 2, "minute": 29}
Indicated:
{"hour": 9, "minute": 7}
